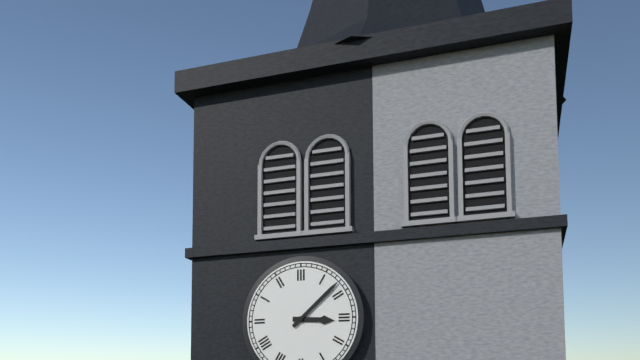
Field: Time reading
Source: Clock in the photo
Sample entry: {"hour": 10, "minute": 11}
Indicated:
{"hour": 3, "minute": 8}
